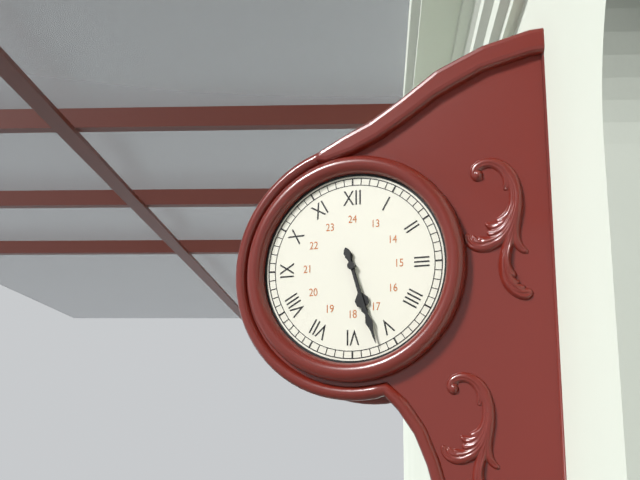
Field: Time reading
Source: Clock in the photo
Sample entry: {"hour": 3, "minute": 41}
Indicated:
{"hour": 5, "minute": 27}
